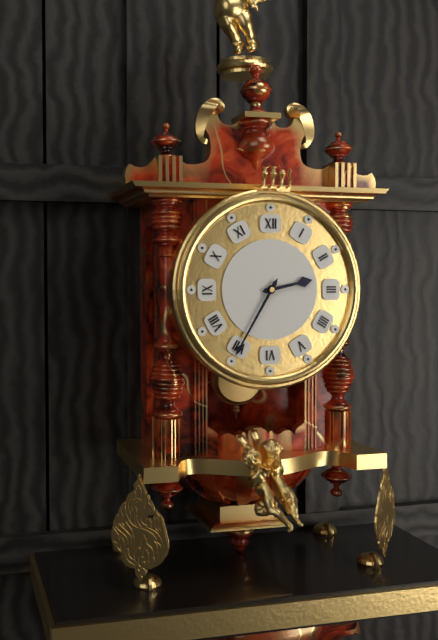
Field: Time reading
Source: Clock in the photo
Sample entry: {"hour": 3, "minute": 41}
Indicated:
{"hour": 2, "minute": 35}
